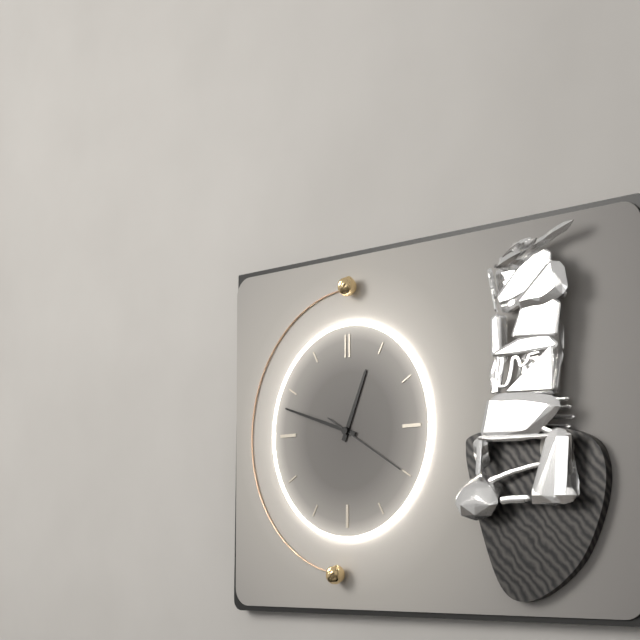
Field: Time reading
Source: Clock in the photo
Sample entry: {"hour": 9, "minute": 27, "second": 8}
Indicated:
{"hour": 12, "minute": 48, "second": 20}
